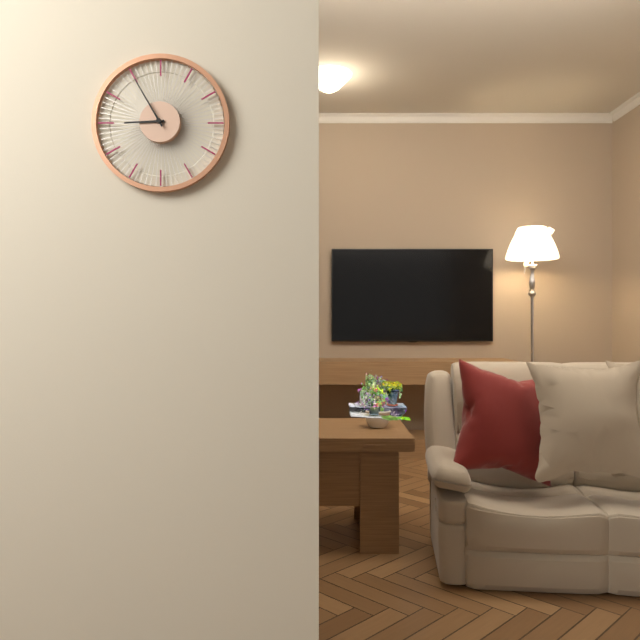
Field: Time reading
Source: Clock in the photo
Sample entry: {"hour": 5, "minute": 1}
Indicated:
{"hour": 8, "minute": 55}
